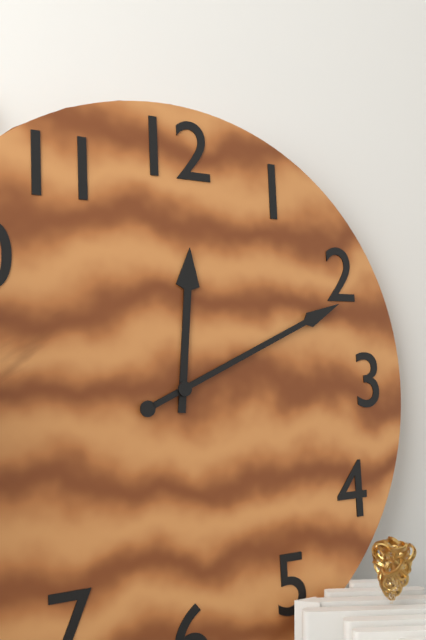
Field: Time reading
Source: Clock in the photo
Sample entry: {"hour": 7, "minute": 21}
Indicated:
{"hour": 12, "minute": 11}
